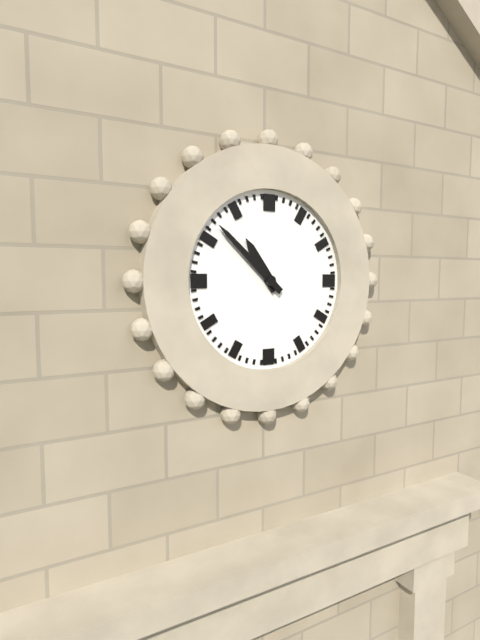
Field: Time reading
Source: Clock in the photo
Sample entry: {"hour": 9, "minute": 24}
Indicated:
{"hour": 10, "minute": 52}
